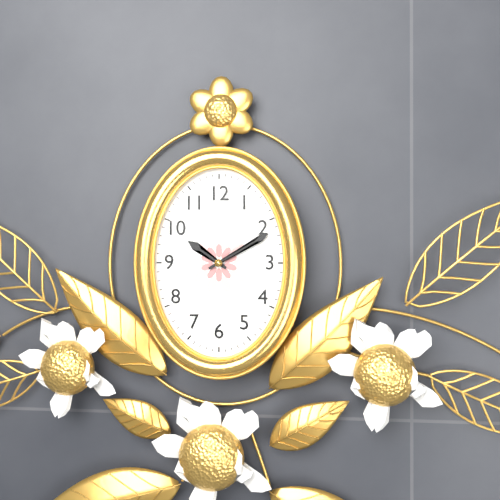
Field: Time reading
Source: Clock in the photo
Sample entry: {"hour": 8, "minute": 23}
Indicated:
{"hour": 10, "minute": 10}
